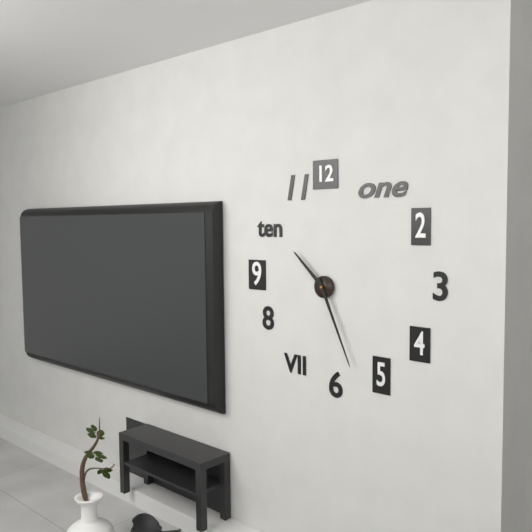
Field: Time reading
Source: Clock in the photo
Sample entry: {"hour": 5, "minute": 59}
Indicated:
{"hour": 10, "minute": 26}
